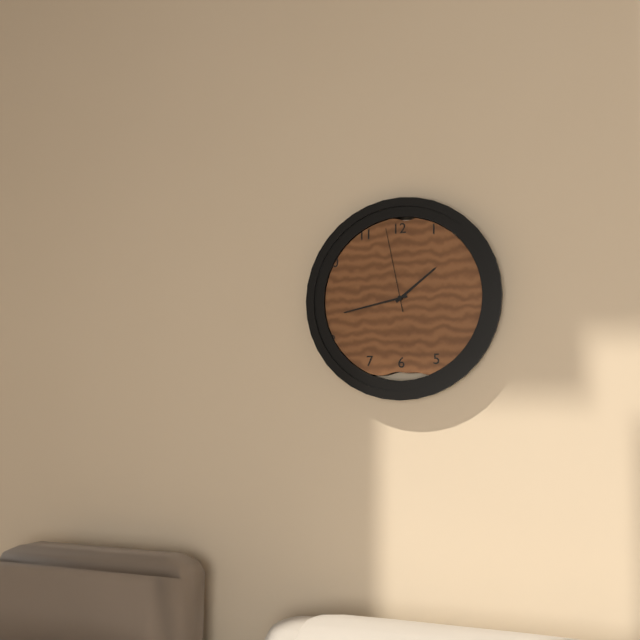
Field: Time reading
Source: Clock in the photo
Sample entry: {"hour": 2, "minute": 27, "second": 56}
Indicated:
{"hour": 1, "minute": 43, "second": 58}
